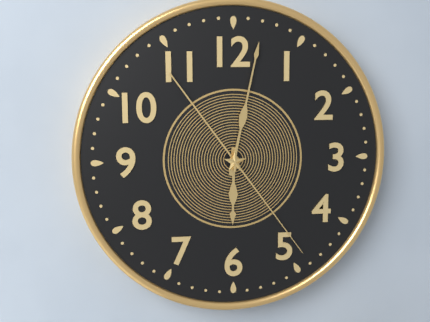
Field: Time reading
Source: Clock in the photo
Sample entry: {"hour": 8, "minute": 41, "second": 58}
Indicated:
{"hour": 6, "minute": 2, "second": 24}
